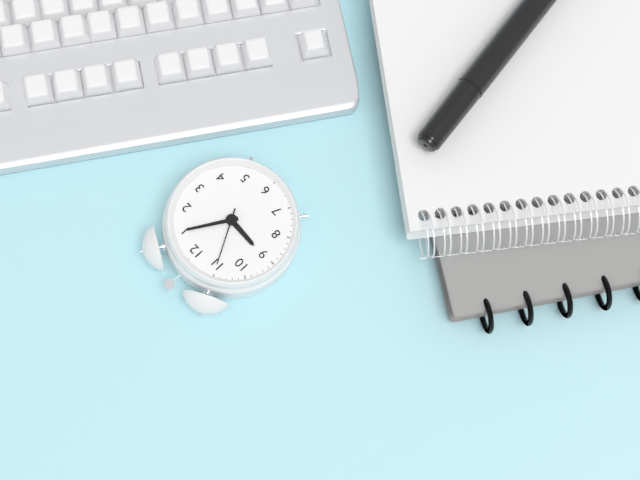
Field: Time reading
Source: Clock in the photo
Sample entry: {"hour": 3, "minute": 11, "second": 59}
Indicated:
{"hour": 9, "minute": 5, "second": 55}
